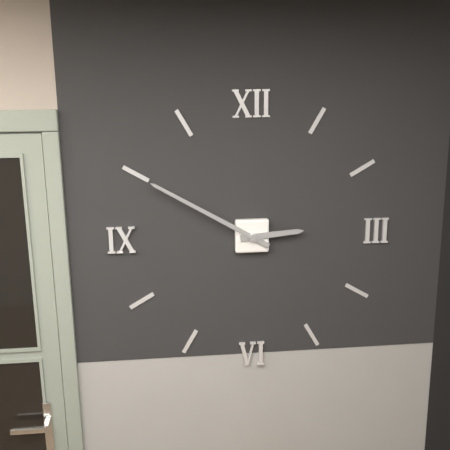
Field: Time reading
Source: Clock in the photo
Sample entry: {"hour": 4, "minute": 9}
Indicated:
{"hour": 2, "minute": 50}
